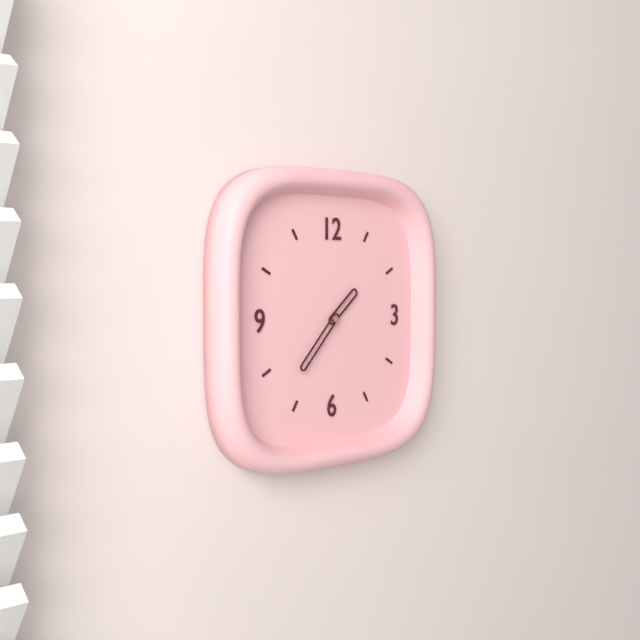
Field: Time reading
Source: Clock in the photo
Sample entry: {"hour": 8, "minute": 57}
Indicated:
{"hour": 1, "minute": 37}
